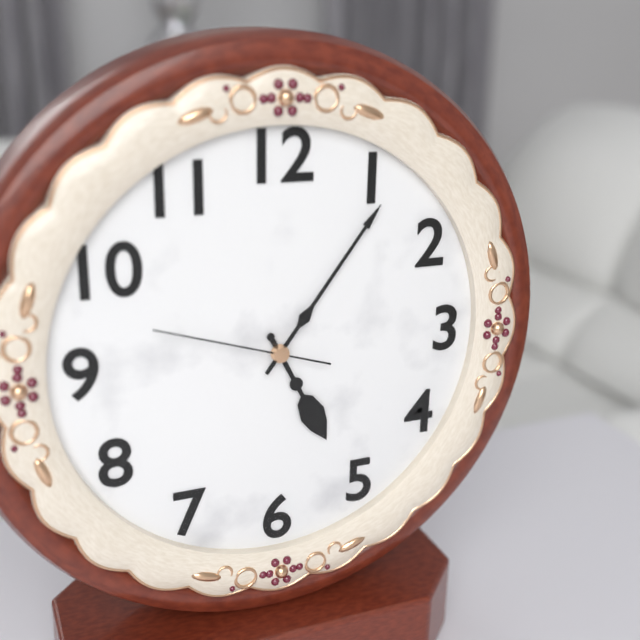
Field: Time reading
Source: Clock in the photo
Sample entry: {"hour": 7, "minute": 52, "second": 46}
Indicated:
{"hour": 5, "minute": 6, "second": 48}
